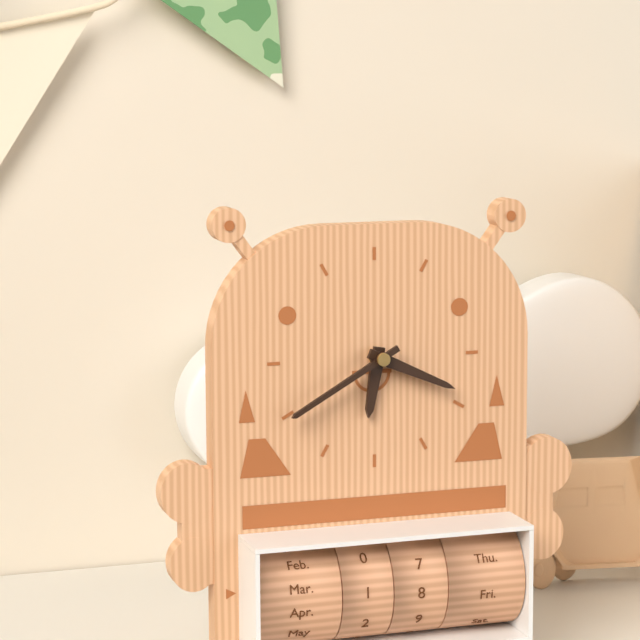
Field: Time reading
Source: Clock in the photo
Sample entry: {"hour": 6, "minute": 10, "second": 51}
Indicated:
{"hour": 6, "minute": 19, "second": 40}
